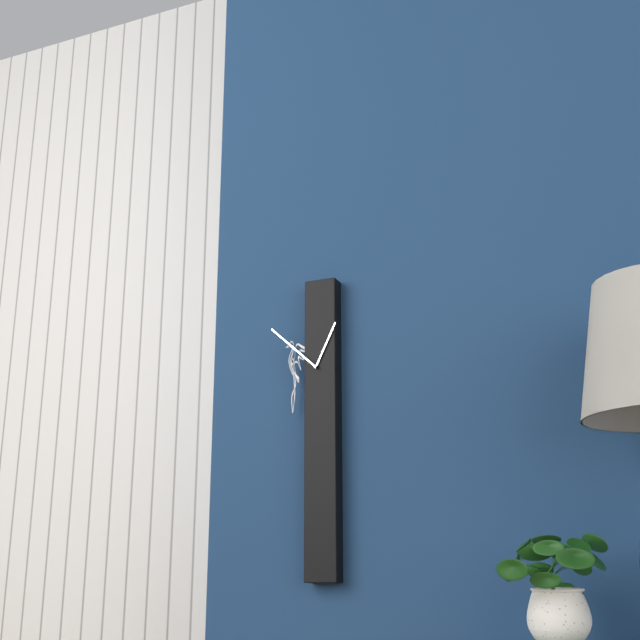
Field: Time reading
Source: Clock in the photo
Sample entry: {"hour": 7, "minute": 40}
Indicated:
{"hour": 12, "minute": 52}
